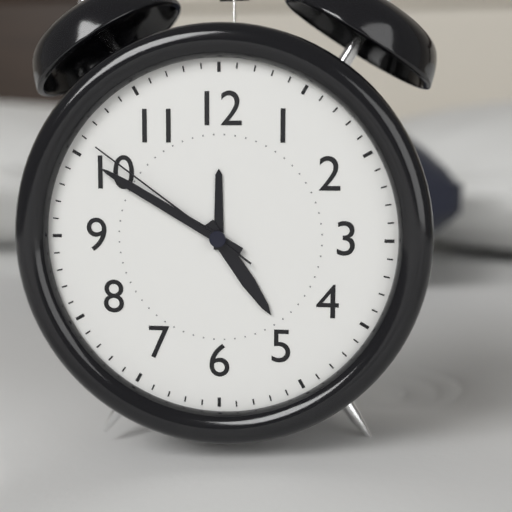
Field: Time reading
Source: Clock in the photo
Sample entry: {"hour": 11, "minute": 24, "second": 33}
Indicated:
{"hour": 4, "minute": 50, "second": 51}
